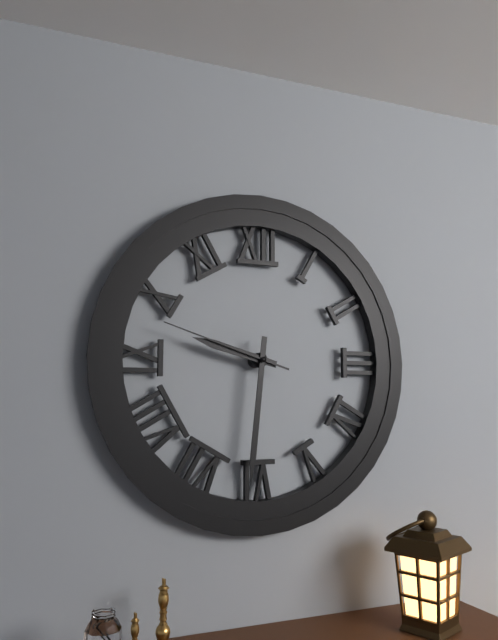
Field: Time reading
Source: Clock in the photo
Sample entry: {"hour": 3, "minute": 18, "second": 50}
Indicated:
{"hour": 9, "minute": 31, "second": 48}
